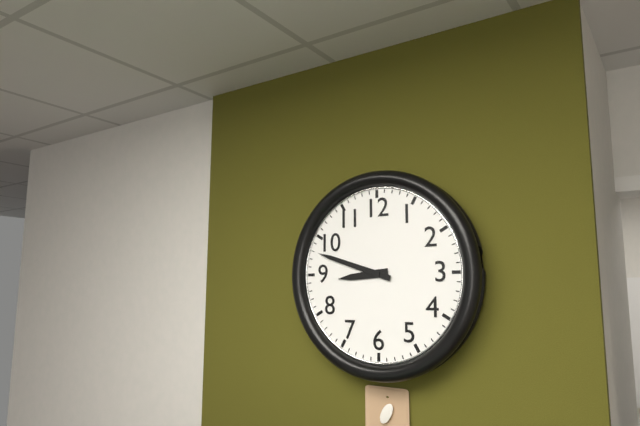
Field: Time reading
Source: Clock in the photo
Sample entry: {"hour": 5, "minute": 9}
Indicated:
{"hour": 8, "minute": 48}
